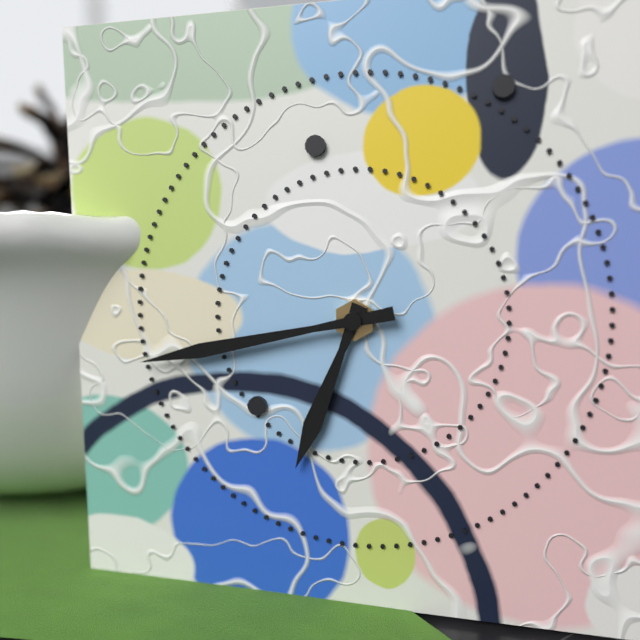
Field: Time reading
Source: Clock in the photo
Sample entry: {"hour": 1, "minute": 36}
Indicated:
{"hour": 6, "minute": 43}
